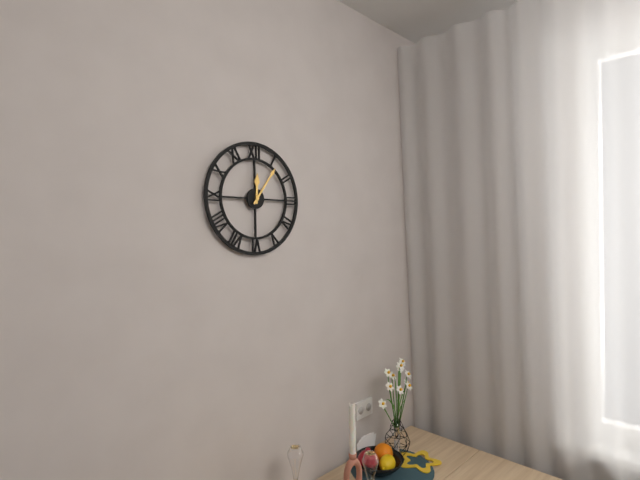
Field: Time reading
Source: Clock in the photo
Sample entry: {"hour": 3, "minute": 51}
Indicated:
{"hour": 12, "minute": 6}
